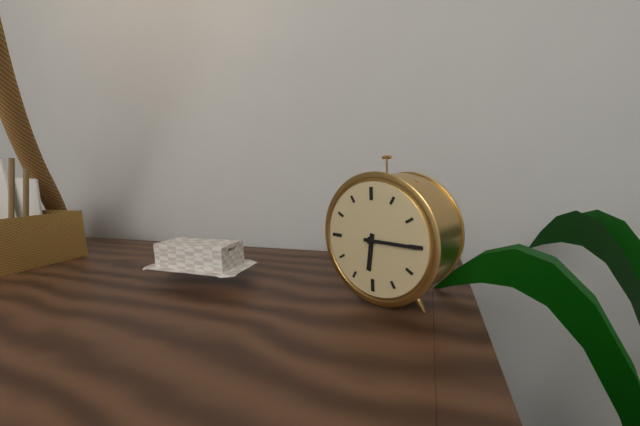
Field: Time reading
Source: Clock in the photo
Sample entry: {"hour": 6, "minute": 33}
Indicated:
{"hour": 6, "minute": 15}
